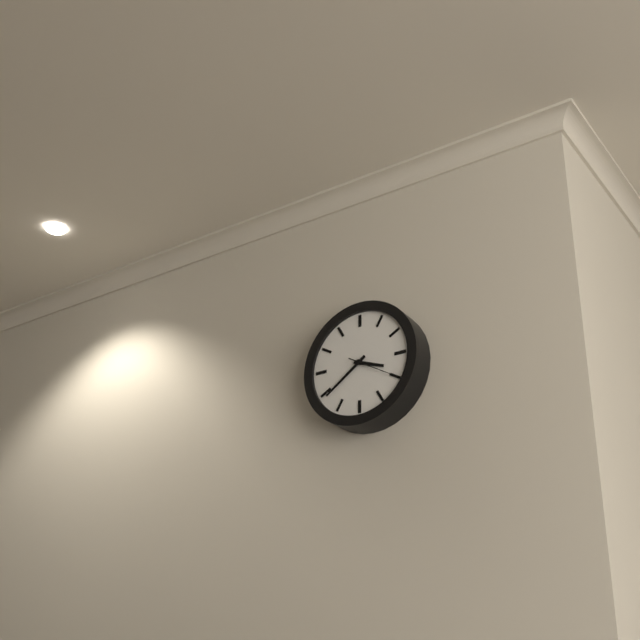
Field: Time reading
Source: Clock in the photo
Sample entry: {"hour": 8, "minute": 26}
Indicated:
{"hour": 3, "minute": 39}
